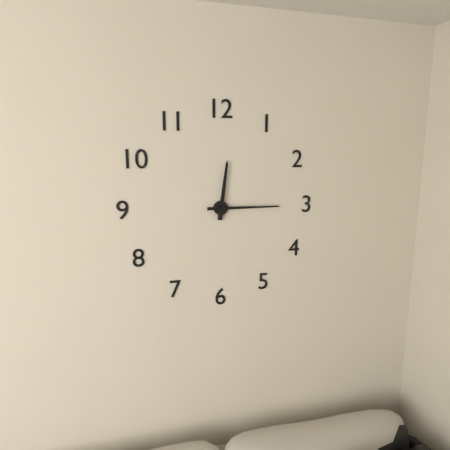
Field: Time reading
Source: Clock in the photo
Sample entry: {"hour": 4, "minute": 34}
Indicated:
{"hour": 12, "minute": 15}
